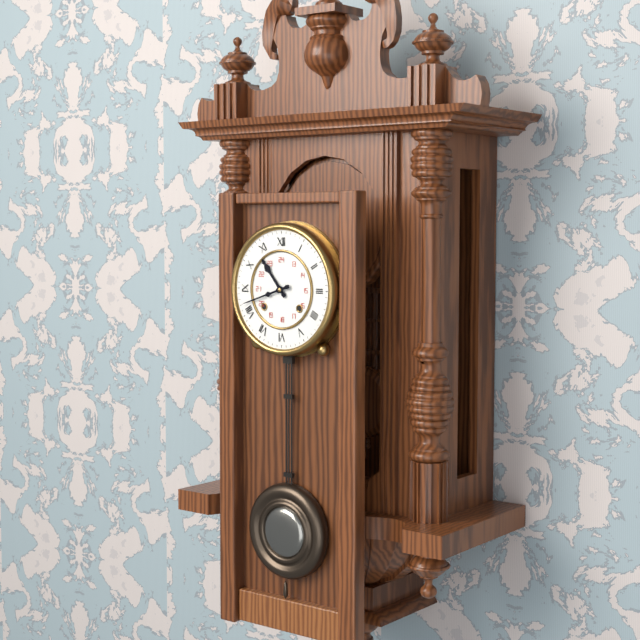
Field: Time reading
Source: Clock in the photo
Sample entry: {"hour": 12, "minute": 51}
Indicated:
{"hour": 10, "minute": 42}
